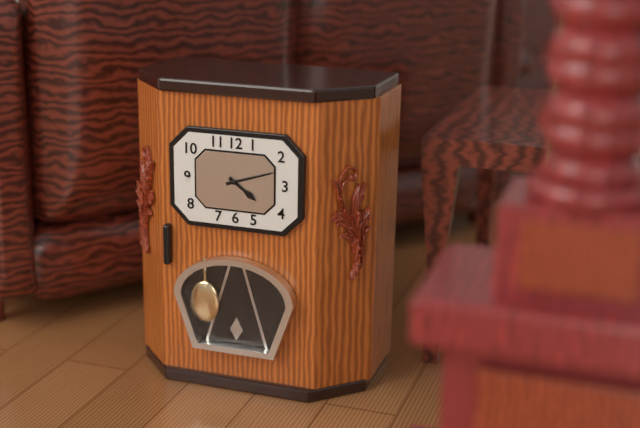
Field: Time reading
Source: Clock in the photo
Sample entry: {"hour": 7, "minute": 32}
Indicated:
{"hour": 4, "minute": 12}
